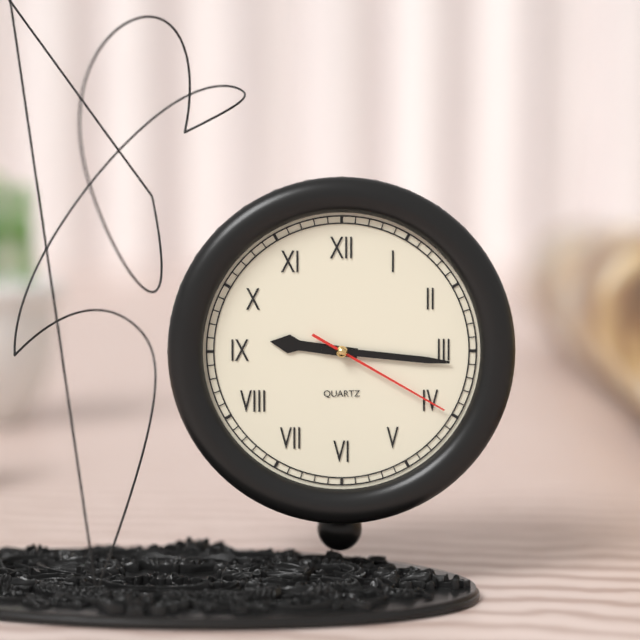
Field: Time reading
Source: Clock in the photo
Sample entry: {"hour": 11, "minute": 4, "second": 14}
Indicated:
{"hour": 9, "minute": 16, "second": 20}
